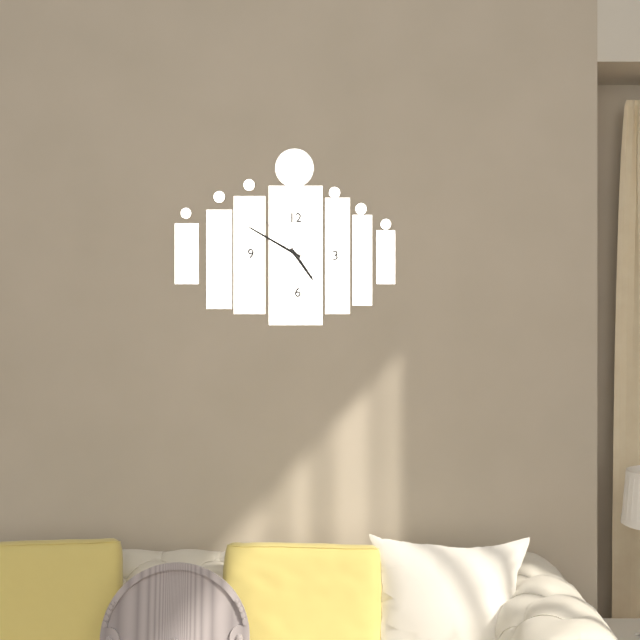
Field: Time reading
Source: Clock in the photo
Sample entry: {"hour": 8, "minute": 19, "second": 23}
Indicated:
{"hour": 4, "minute": 50, "second": 53}
